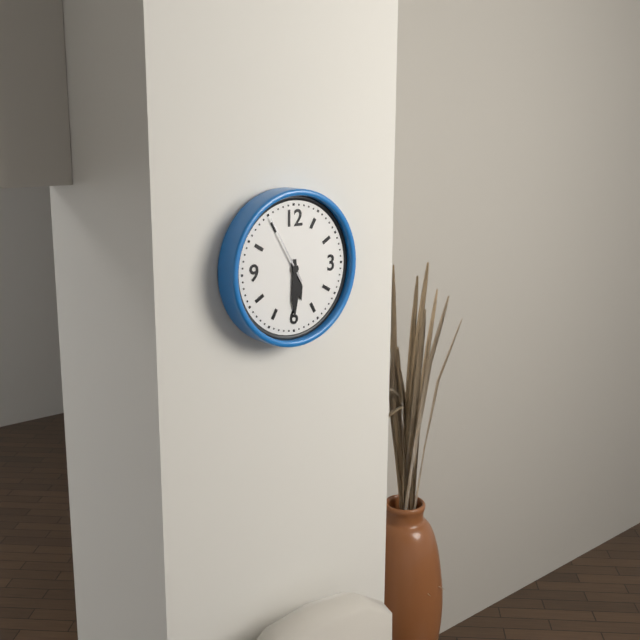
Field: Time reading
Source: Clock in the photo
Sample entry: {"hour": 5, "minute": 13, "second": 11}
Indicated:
{"hour": 5, "minute": 30, "second": 55}
